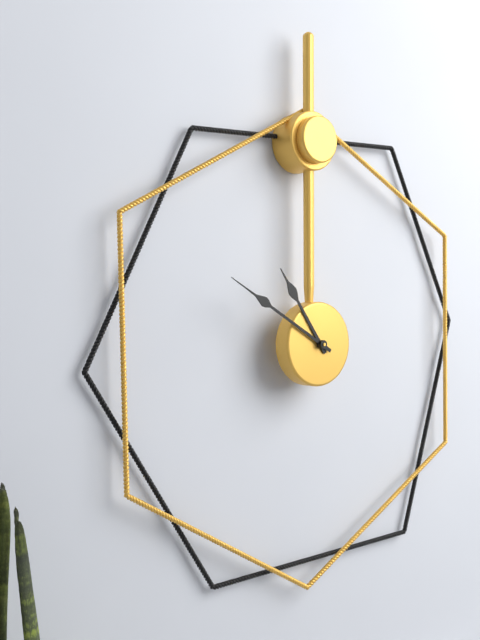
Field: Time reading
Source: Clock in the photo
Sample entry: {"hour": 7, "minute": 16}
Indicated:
{"hour": 10, "minute": 50}
